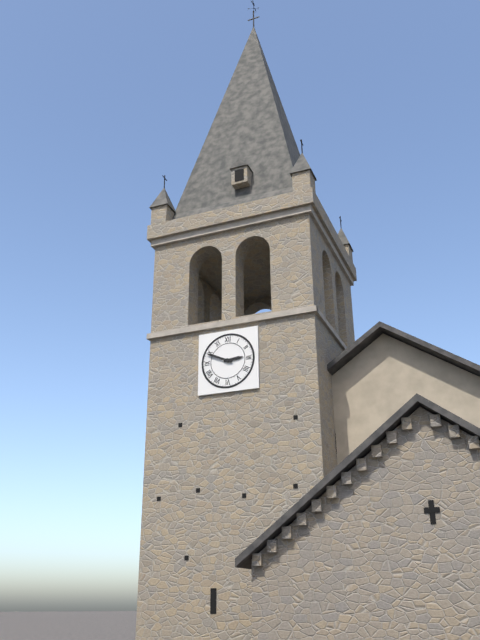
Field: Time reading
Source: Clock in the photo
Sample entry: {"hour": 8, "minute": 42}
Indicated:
{"hour": 2, "minute": 49}
